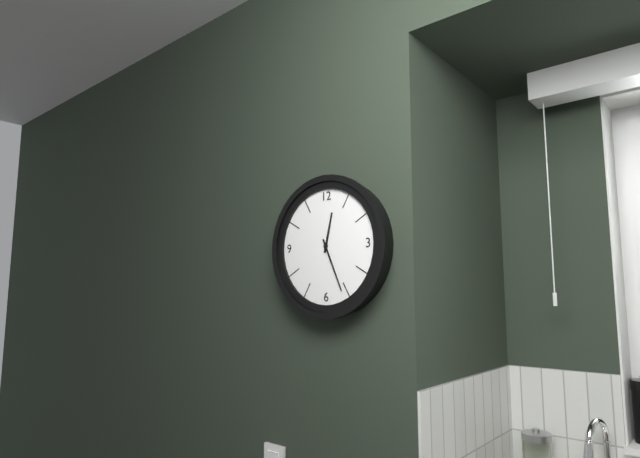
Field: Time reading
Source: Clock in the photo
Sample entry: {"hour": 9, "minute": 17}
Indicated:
{"hour": 12, "minute": 26}
